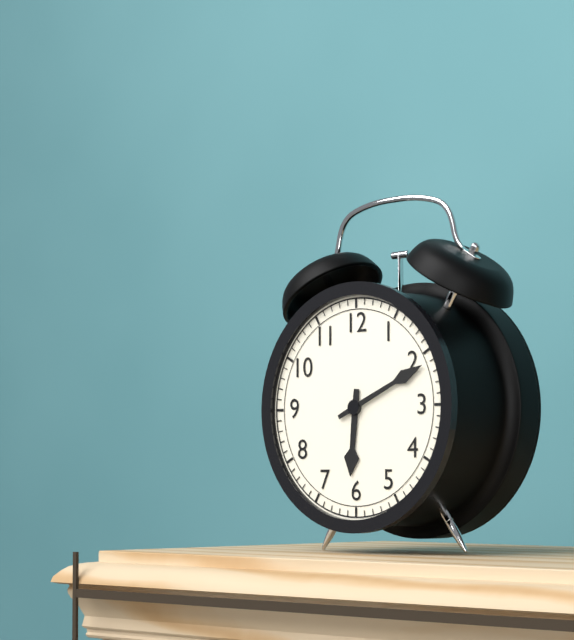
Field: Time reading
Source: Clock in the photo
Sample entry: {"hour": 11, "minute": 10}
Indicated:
{"hour": 6, "minute": 11}
